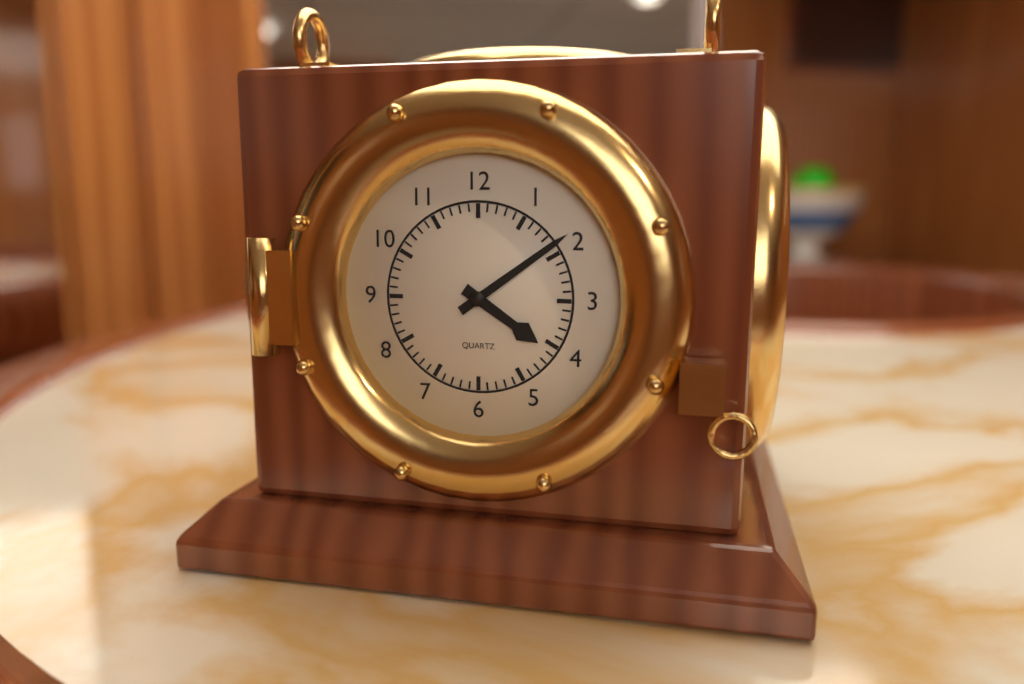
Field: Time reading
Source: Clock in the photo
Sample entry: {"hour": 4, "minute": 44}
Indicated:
{"hour": 4, "minute": 9}
